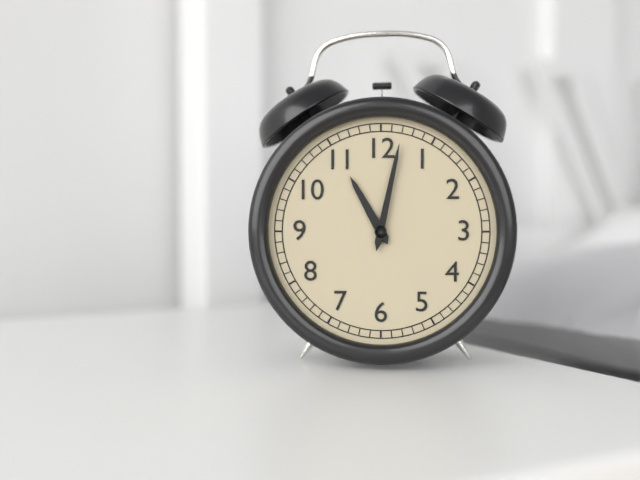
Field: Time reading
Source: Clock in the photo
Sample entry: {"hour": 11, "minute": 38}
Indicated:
{"hour": 11, "minute": 2}
